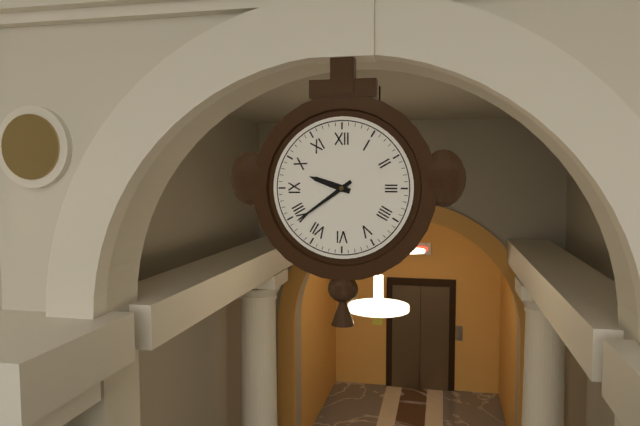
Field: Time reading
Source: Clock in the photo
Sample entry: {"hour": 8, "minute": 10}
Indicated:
{"hour": 9, "minute": 39}
